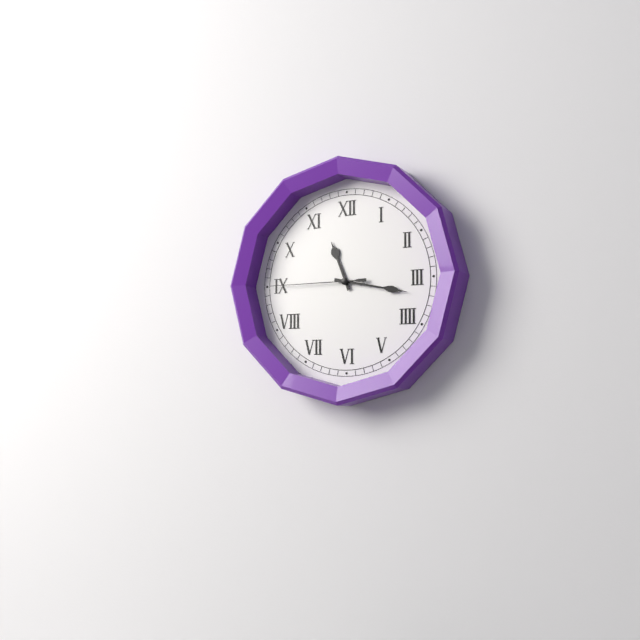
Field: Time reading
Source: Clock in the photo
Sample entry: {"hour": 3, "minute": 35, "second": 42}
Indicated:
{"hour": 11, "minute": 17, "second": 45}
